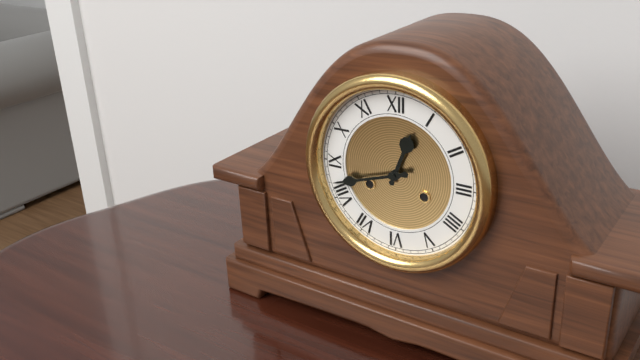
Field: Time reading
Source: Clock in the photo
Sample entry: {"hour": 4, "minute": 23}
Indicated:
{"hour": 12, "minute": 42}
